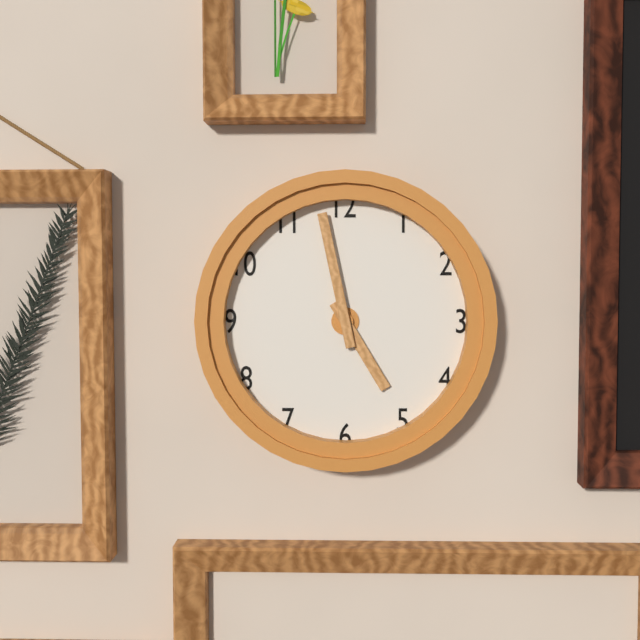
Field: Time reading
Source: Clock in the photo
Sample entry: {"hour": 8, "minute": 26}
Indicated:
{"hour": 4, "minute": 58}
